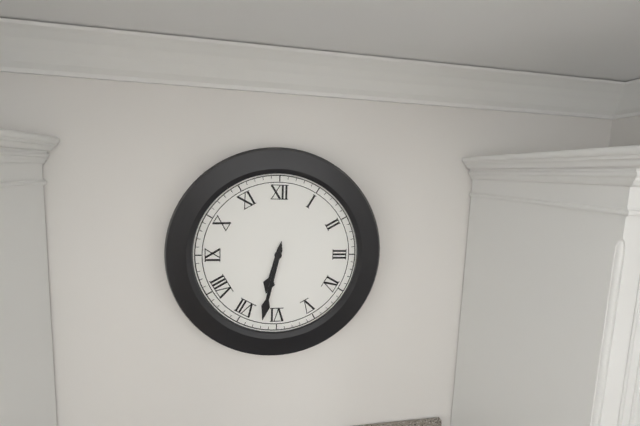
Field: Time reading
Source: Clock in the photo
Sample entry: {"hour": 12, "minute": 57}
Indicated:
{"hour": 6, "minute": 32}
